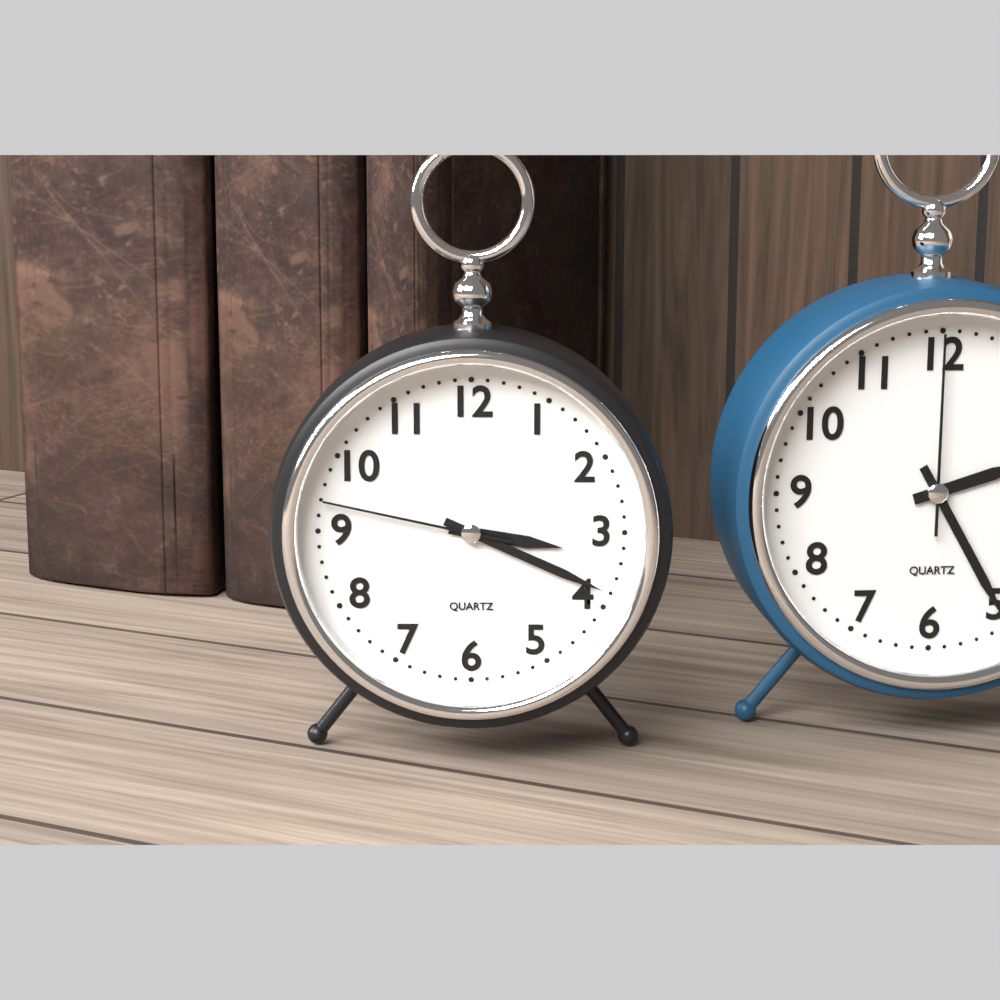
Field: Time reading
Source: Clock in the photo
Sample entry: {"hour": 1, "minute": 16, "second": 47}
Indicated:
{"hour": 3, "minute": 19, "second": 47}
